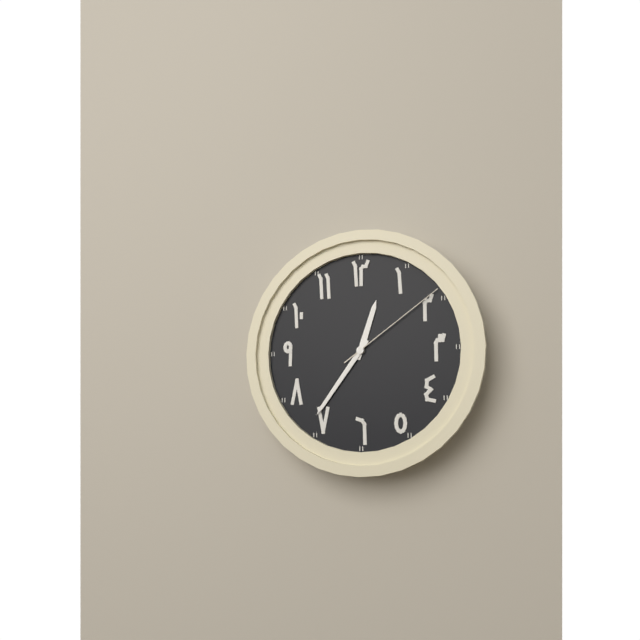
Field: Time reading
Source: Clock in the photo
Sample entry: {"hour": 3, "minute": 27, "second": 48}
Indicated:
{"hour": 12, "minute": 36, "second": 9}
